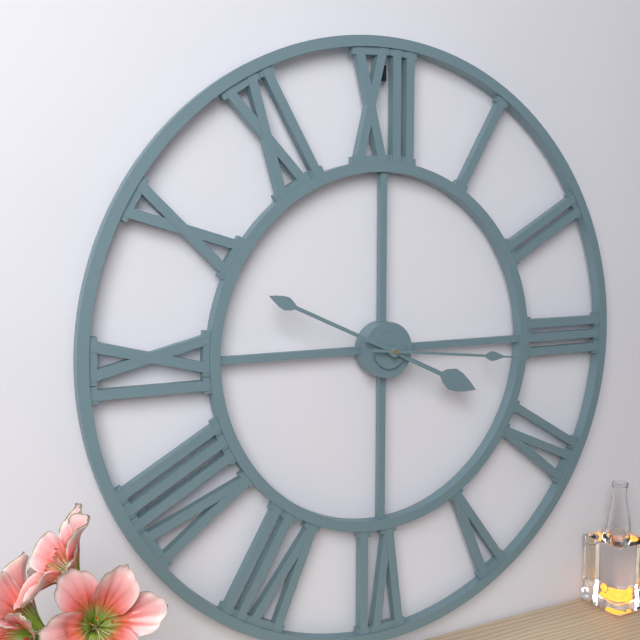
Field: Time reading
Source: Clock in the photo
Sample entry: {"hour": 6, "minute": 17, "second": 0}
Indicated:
{"hour": 3, "minute": 49, "second": 16}
